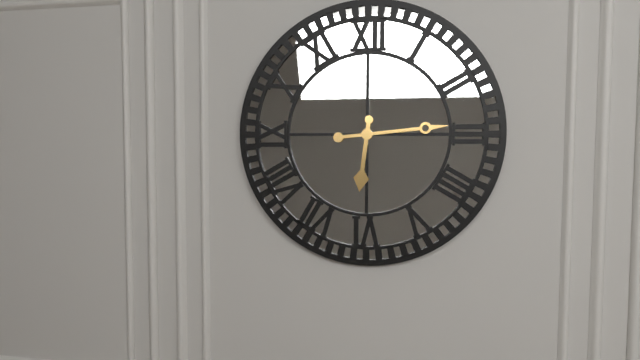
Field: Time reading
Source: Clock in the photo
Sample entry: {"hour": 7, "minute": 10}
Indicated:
{"hour": 6, "minute": 14}
